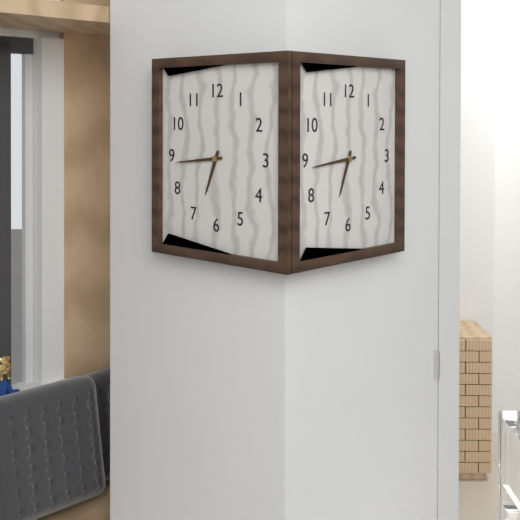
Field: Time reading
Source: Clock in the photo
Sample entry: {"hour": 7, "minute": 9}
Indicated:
{"hour": 6, "minute": 44}
